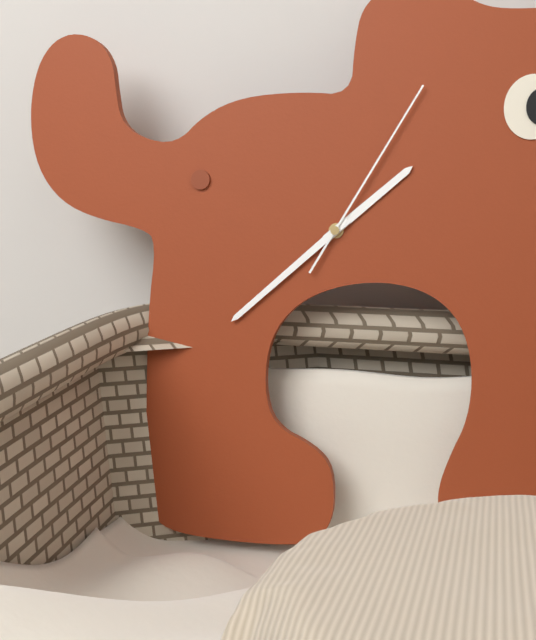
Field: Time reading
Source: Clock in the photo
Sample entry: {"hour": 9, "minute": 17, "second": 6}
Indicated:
{"hour": 1, "minute": 38, "second": 5}
